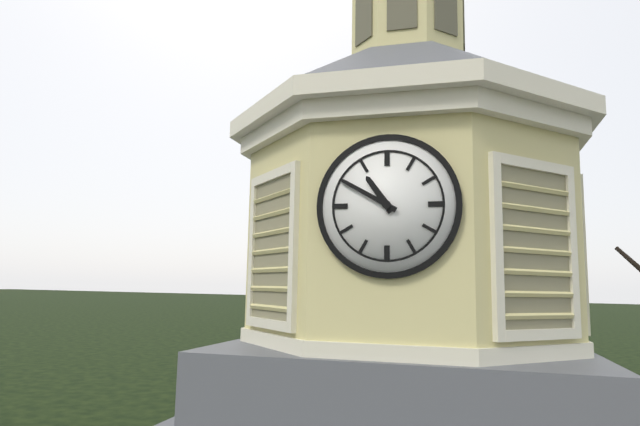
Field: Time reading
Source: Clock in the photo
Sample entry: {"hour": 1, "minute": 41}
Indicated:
{"hour": 10, "minute": 50}
